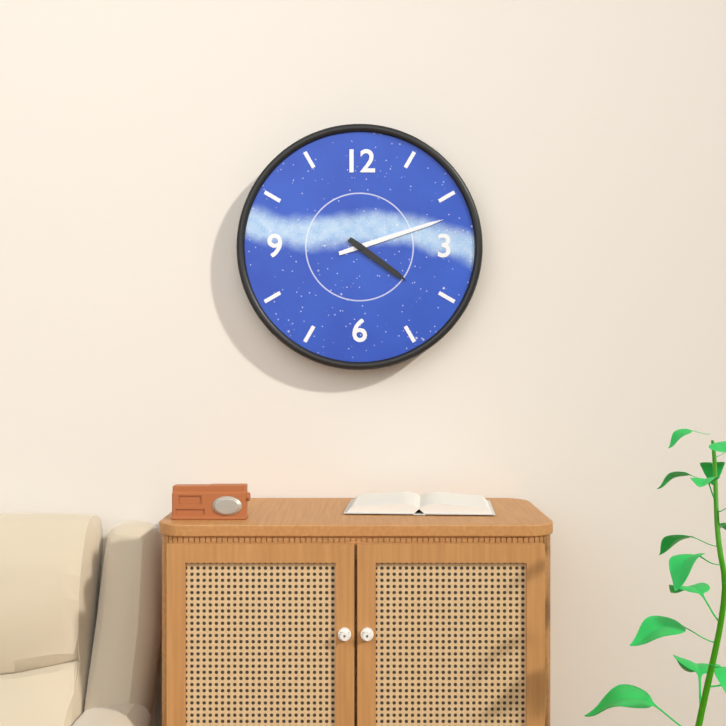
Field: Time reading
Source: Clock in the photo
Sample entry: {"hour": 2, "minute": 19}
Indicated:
{"hour": 4, "minute": 12}
